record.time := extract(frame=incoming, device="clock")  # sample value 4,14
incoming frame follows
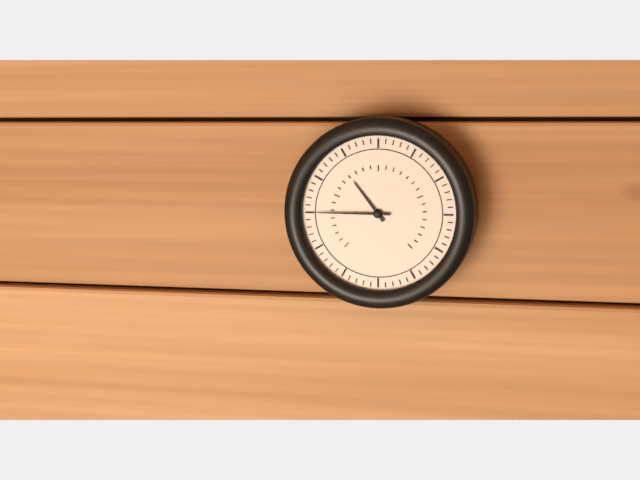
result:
10,45
